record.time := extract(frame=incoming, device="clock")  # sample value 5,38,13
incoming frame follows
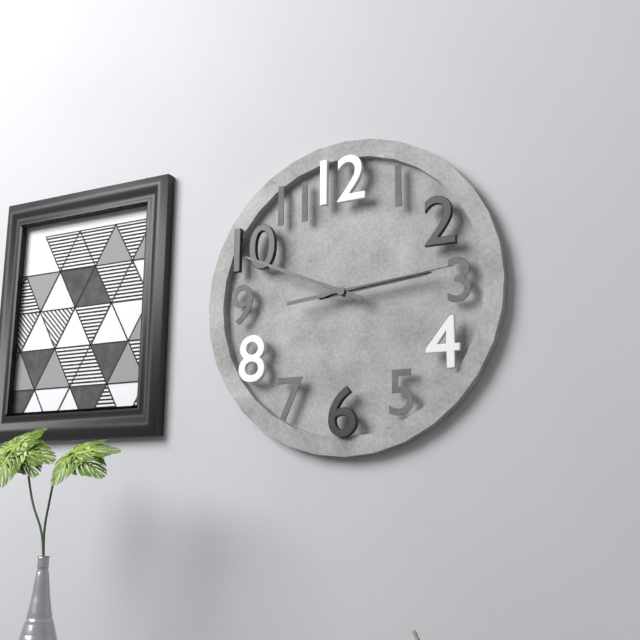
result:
2,49,14
